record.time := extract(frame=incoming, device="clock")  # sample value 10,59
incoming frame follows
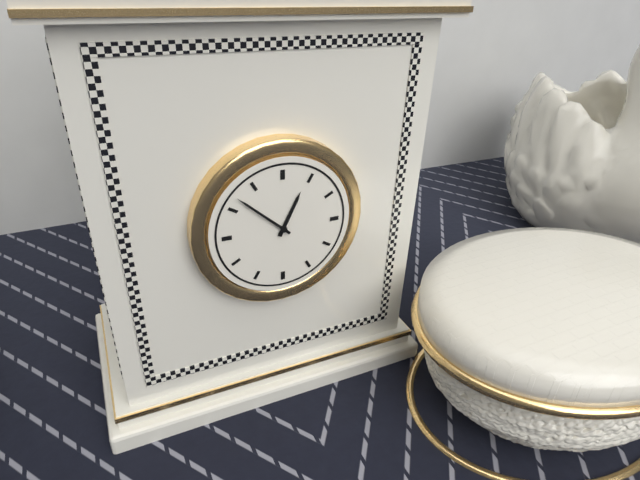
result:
12,52
